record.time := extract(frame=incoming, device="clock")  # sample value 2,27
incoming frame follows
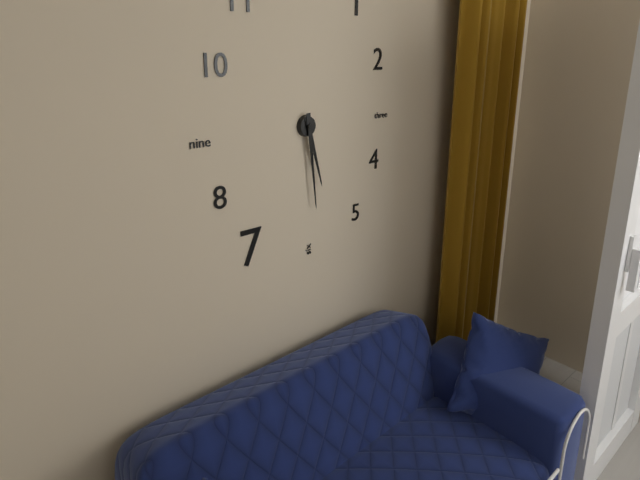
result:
5,29
